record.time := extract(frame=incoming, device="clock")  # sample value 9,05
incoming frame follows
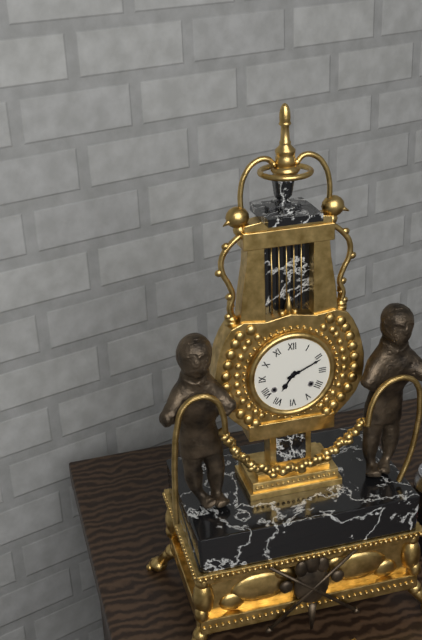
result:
7,11
